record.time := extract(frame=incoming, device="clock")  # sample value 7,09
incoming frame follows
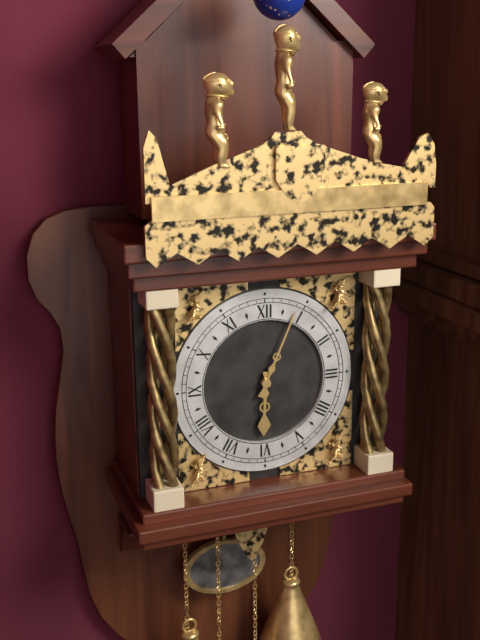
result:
6,04
